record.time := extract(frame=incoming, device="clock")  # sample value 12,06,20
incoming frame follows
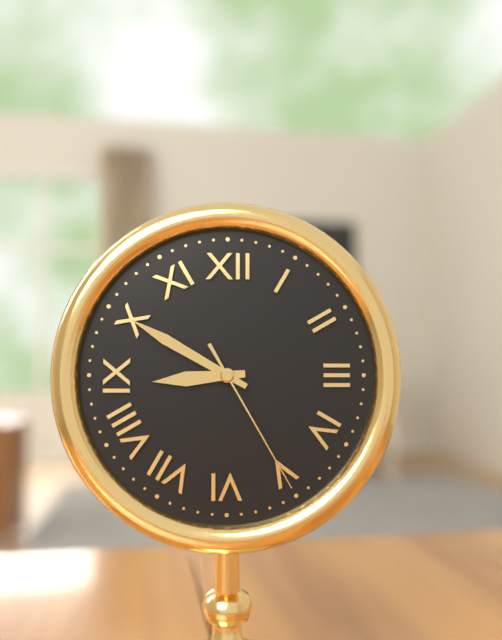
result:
8,50,25
